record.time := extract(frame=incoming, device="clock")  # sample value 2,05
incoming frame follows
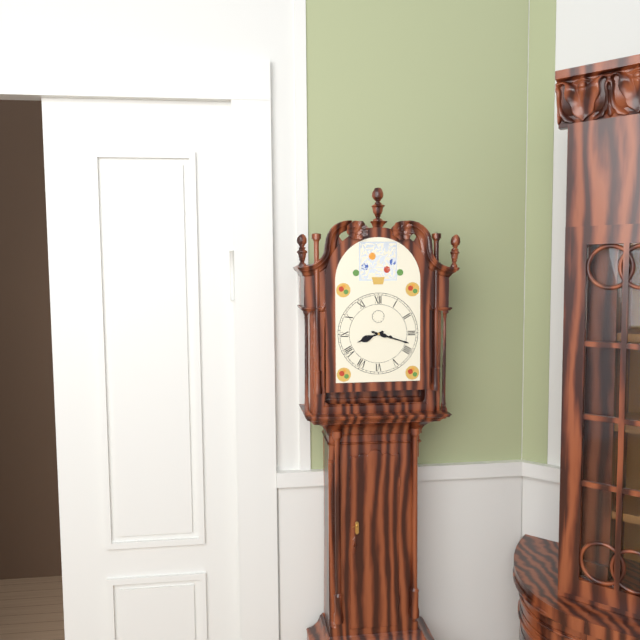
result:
8,18
